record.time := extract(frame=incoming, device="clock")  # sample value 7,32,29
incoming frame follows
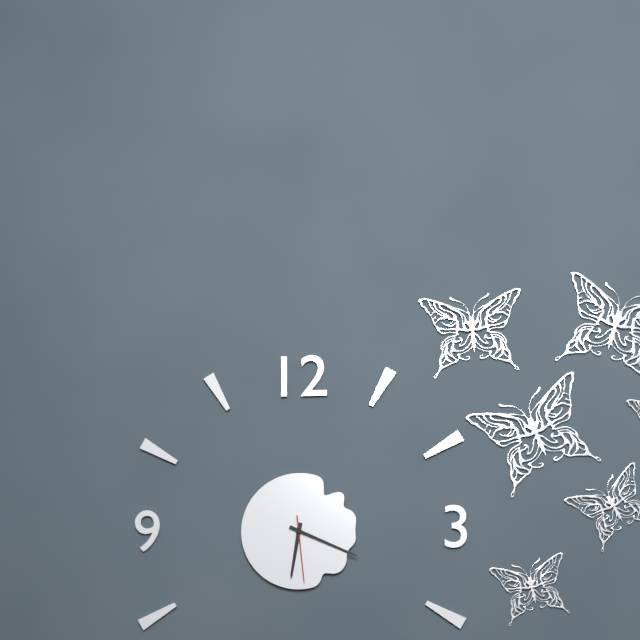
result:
6,19,29
